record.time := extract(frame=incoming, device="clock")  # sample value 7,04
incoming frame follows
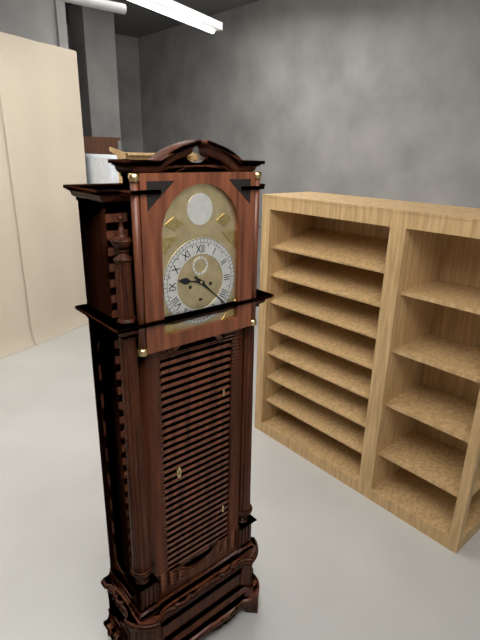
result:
9,22
